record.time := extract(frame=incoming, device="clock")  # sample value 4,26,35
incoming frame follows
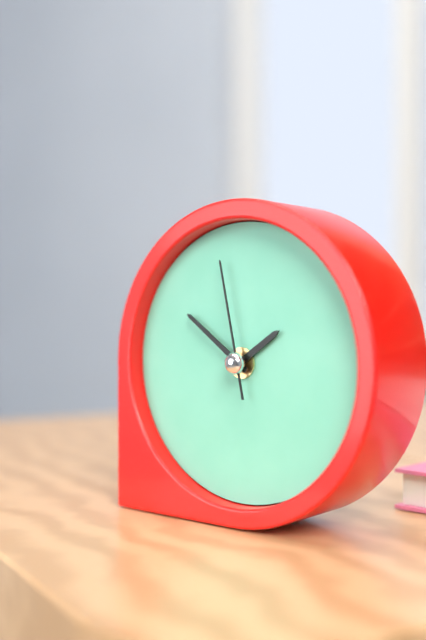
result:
1,51,58
